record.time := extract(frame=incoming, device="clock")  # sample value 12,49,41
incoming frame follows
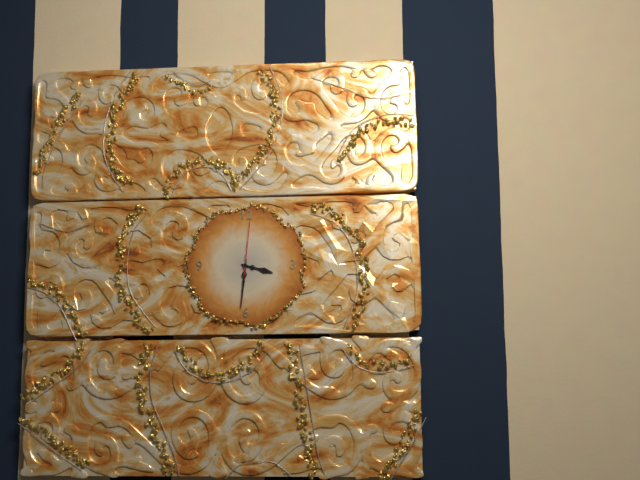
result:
3,31,01
